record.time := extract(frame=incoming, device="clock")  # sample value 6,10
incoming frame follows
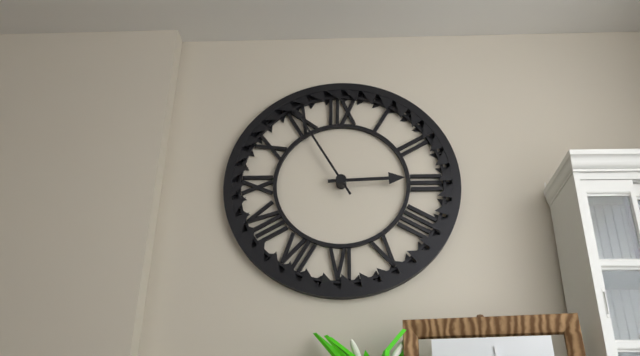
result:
2,55
